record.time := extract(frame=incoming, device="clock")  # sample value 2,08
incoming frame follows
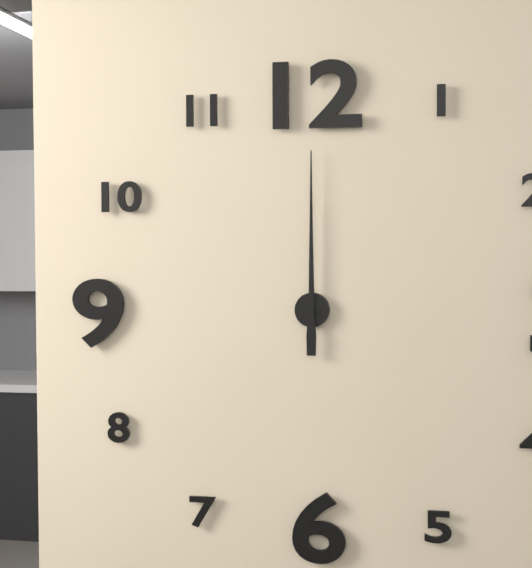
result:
12,00
